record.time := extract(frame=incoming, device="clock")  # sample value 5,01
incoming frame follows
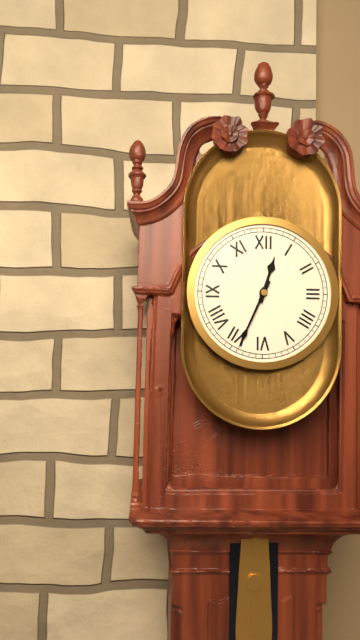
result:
12,34
